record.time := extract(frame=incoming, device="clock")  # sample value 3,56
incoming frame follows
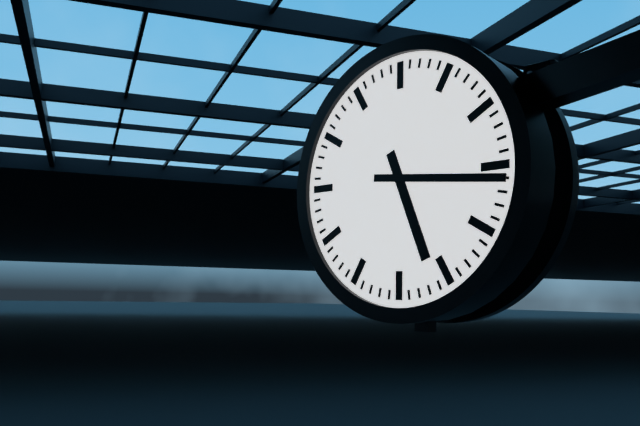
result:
5,16
